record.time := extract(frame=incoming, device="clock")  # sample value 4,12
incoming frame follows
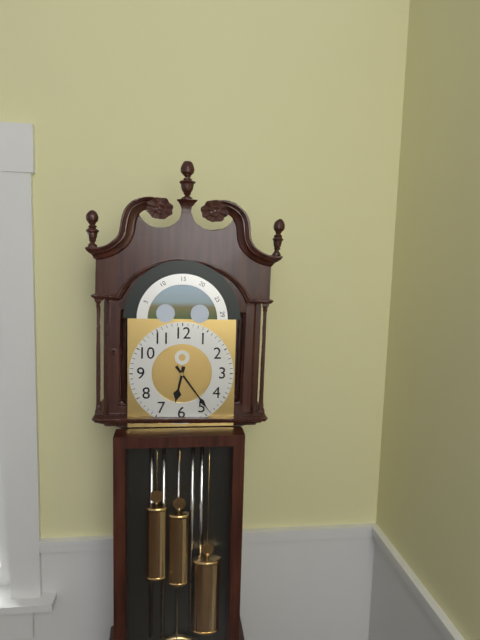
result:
6,24
